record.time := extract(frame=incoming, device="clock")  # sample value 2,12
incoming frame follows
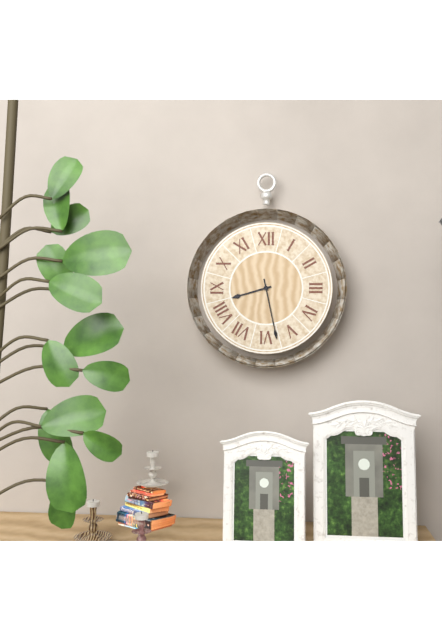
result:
8,28
